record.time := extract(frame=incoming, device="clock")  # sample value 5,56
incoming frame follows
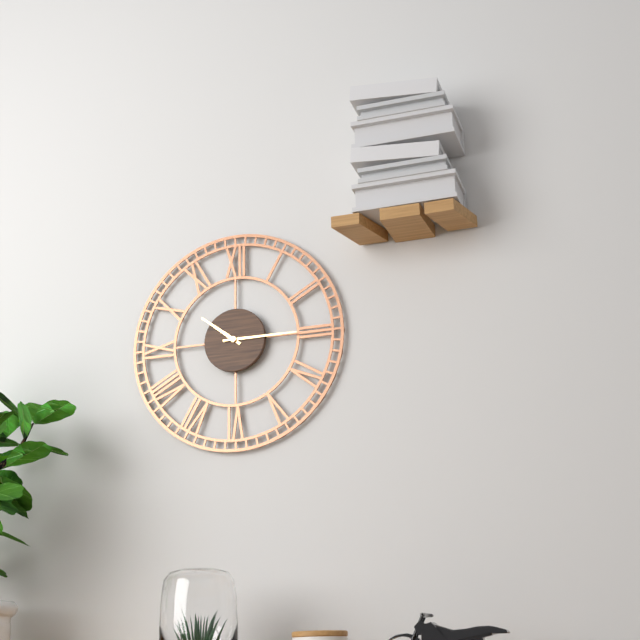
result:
10,15
